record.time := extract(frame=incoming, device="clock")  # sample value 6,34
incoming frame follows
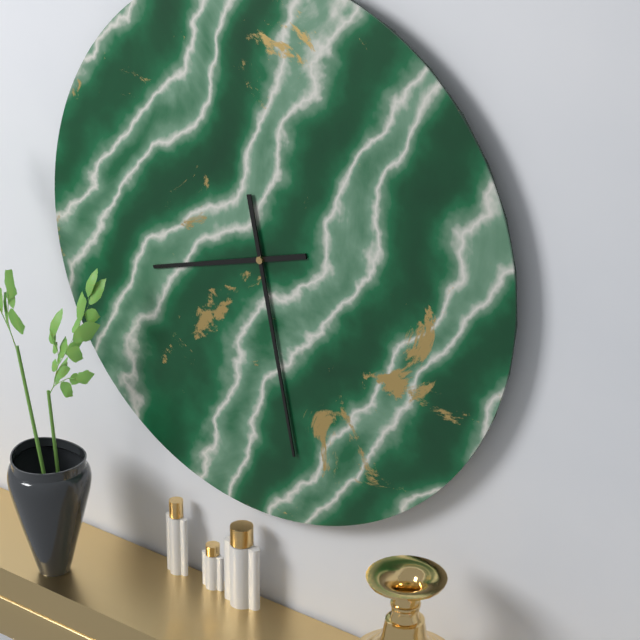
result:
8,28
